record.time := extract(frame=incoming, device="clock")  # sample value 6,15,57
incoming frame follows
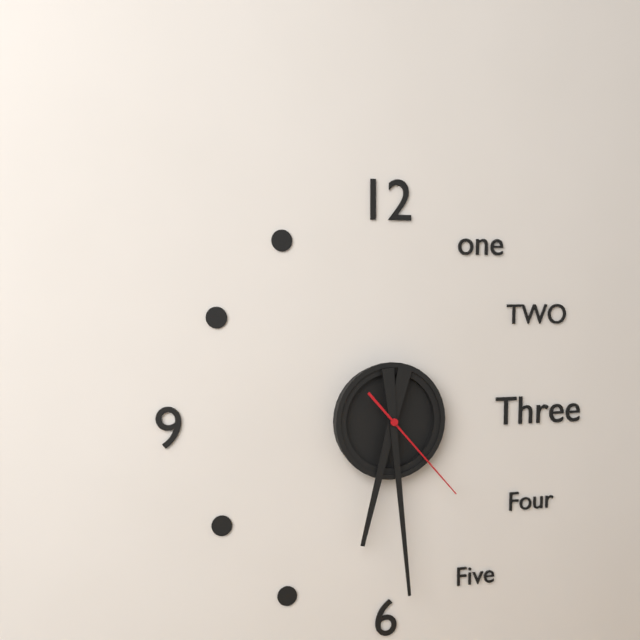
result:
6,29,23
